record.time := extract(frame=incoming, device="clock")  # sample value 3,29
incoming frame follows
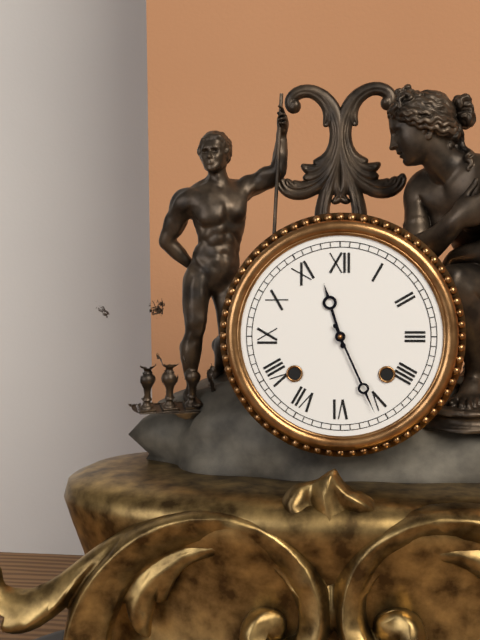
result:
11,26
